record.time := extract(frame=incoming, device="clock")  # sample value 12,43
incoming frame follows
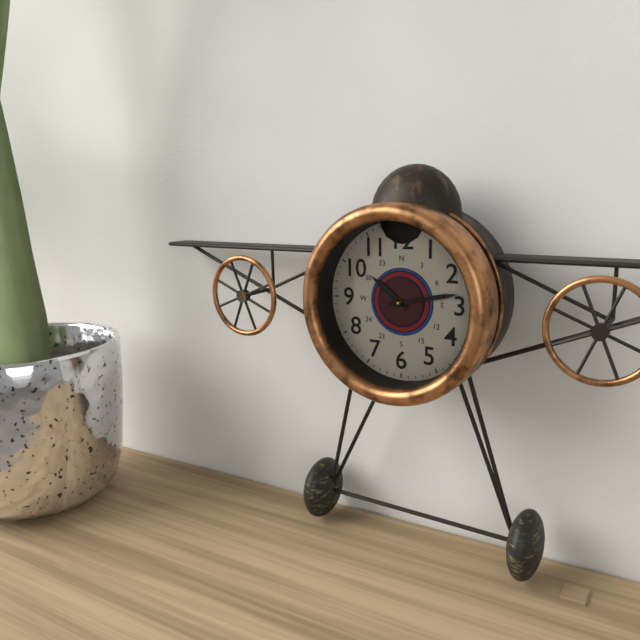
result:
10,13
